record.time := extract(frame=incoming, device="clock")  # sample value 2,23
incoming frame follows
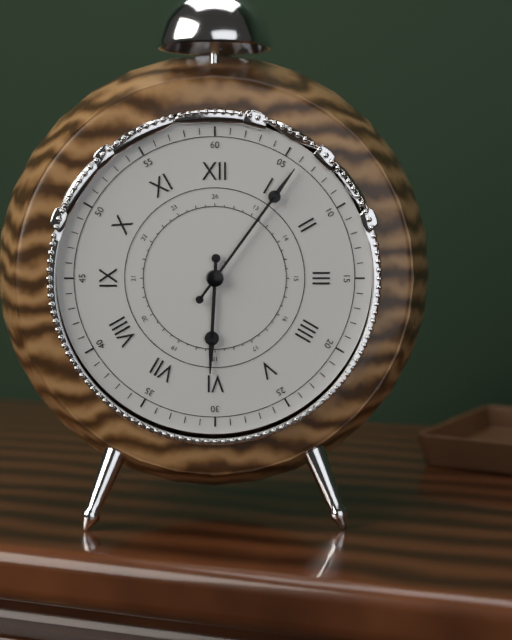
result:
6,06
